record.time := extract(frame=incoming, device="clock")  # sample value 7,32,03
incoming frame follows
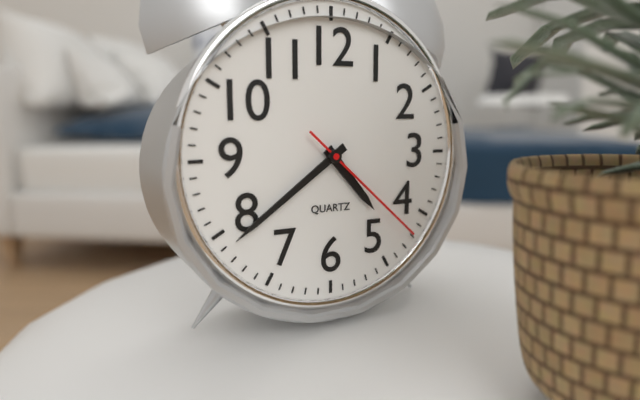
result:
4,39,22
